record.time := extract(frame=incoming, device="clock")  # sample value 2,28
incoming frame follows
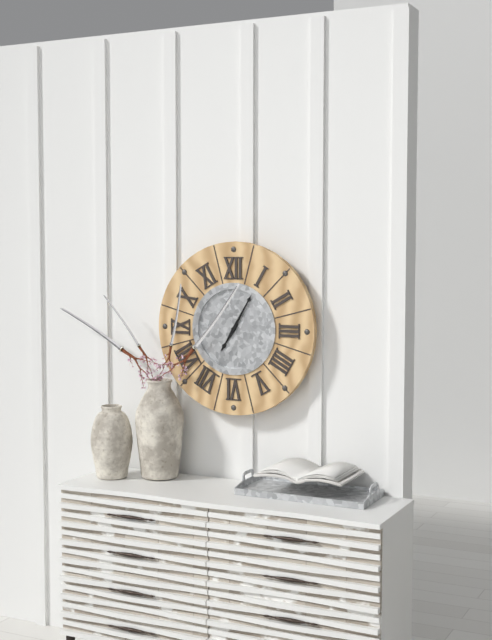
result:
7,05
